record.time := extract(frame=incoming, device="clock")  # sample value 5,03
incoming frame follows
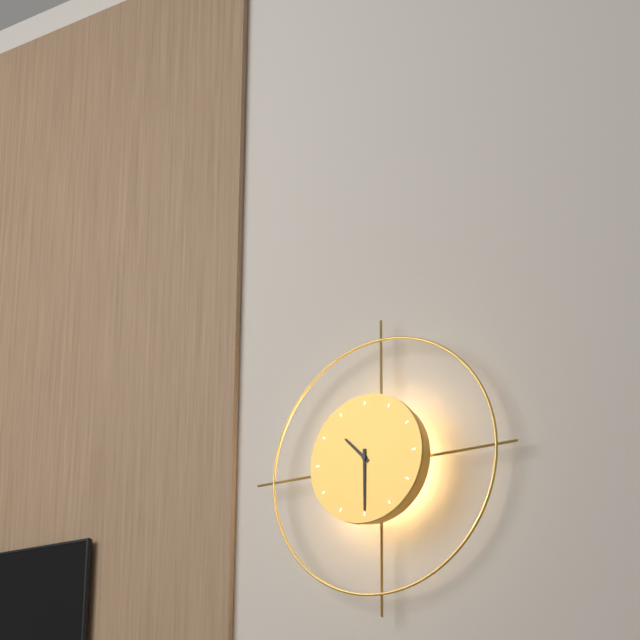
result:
10,30
